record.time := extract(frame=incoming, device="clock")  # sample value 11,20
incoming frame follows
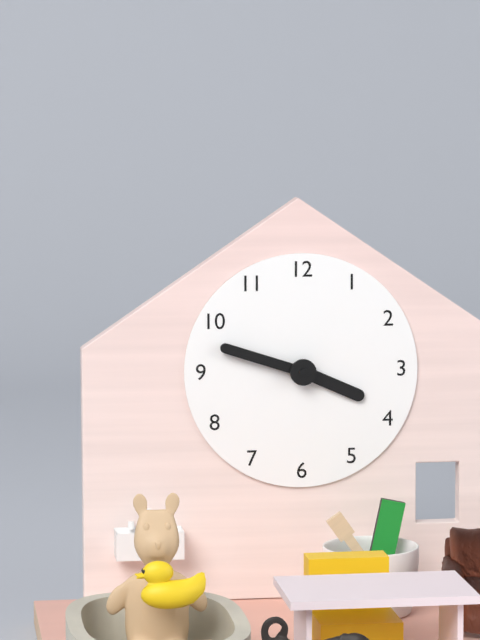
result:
3,48
